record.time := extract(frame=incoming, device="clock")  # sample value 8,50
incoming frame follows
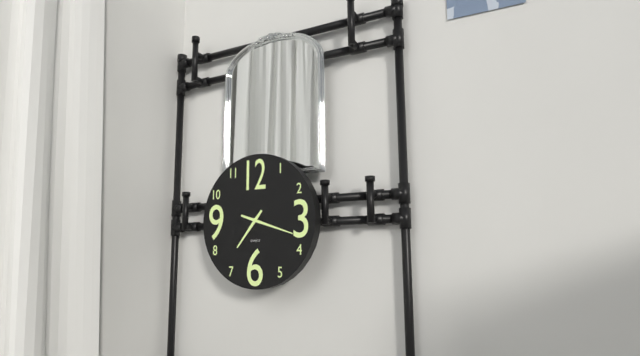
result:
7,18
